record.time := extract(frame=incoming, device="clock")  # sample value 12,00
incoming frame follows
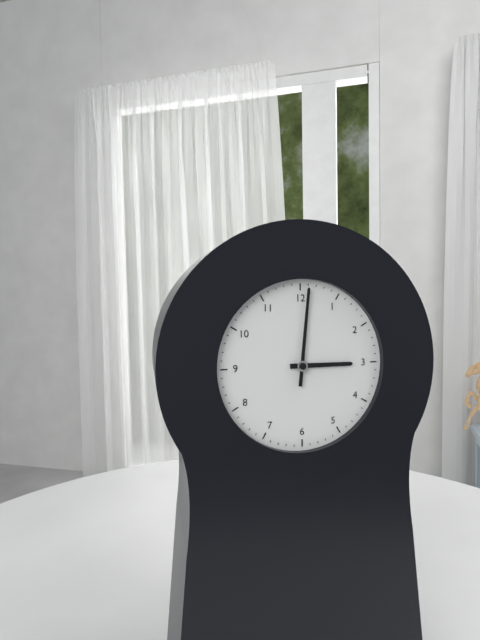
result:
3,01
